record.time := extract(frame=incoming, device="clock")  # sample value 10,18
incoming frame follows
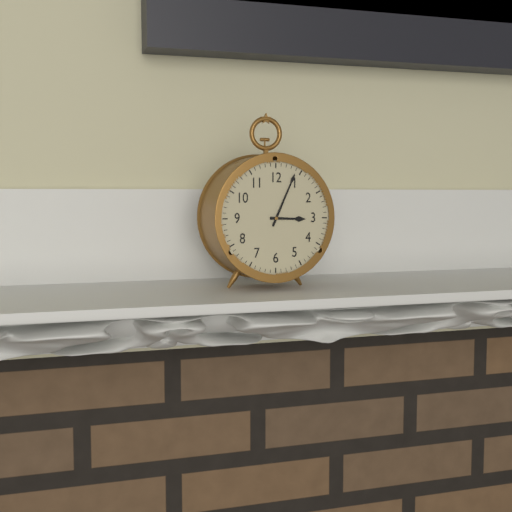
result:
3,04
